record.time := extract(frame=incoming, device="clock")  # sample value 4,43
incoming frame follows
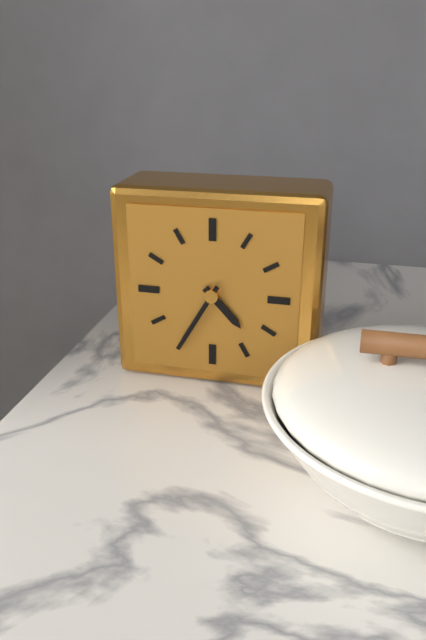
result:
4,35
